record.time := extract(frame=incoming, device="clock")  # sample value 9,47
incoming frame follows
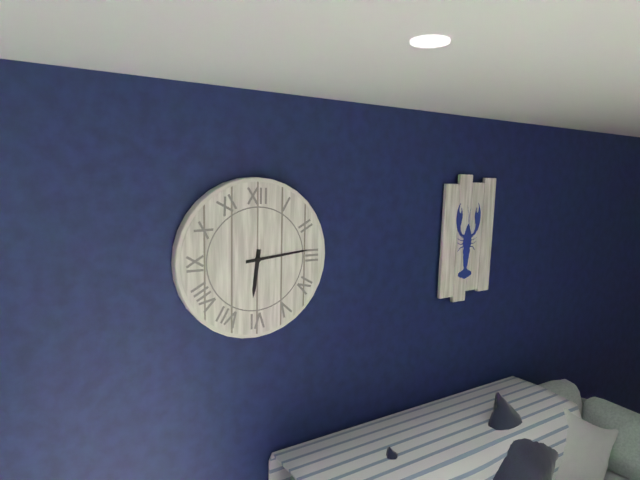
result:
6,14
